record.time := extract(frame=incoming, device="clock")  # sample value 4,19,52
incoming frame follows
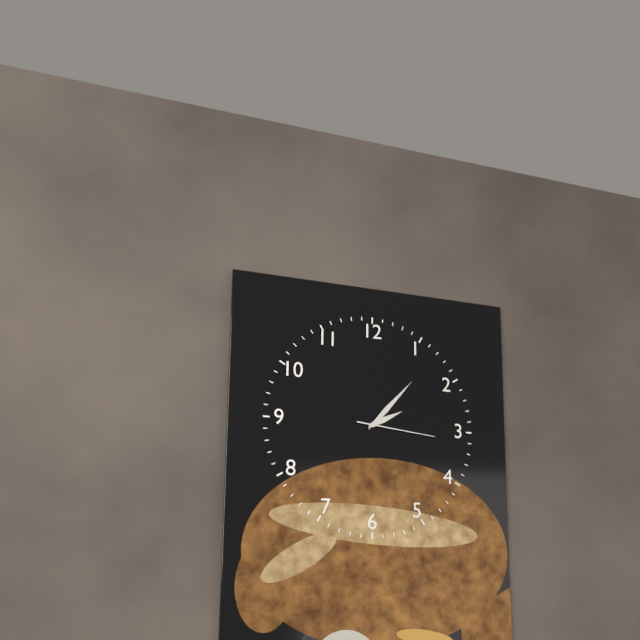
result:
2,07,16
